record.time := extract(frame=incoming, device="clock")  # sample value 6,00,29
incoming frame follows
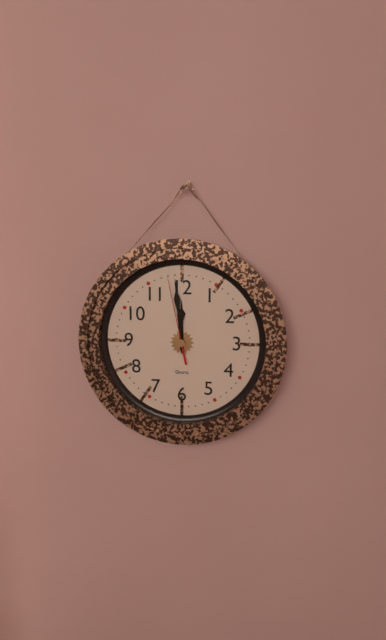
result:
11,59,58
